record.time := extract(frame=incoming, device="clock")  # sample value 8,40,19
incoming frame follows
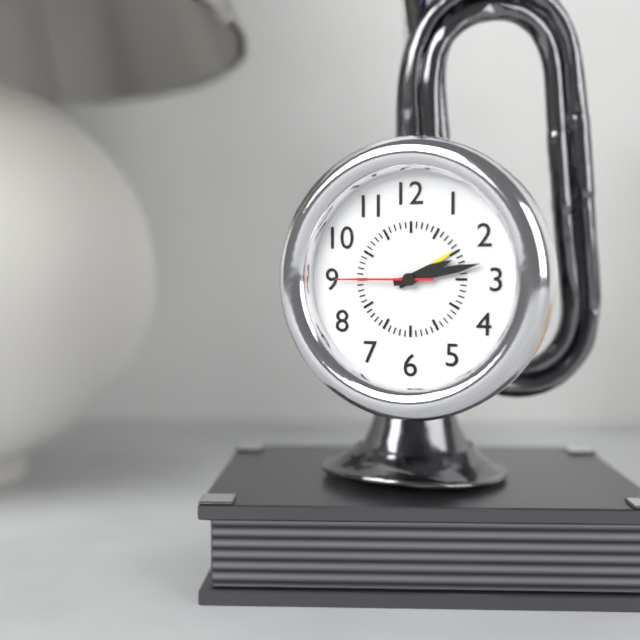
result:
2,13,45
